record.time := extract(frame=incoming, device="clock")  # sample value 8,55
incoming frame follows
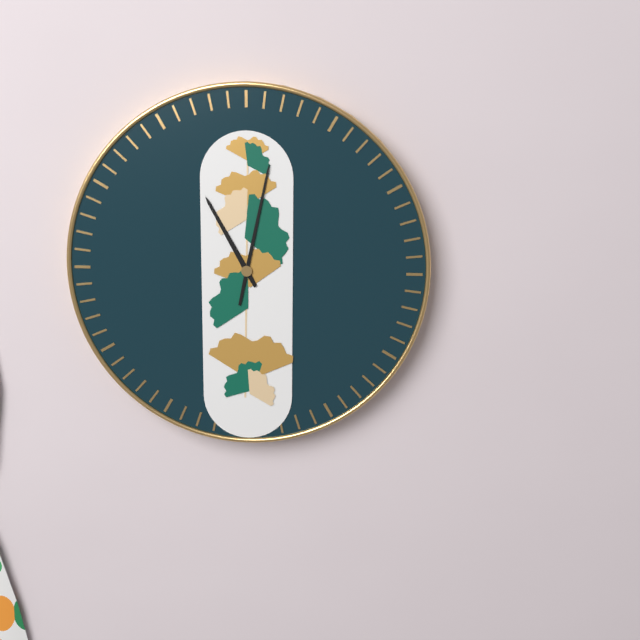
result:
11,02
